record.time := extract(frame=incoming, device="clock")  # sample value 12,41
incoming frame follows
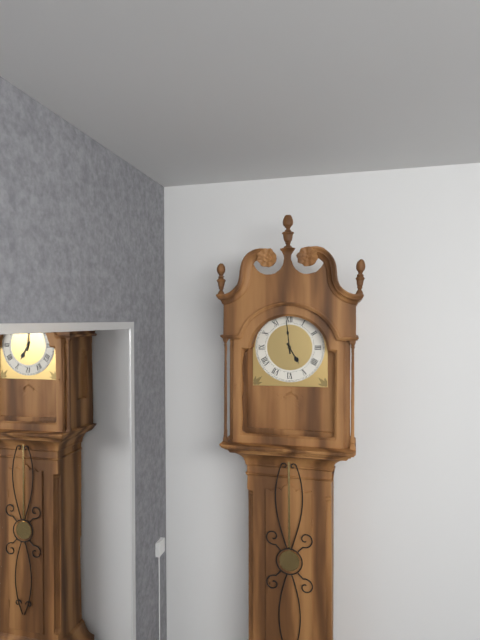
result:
4,59
